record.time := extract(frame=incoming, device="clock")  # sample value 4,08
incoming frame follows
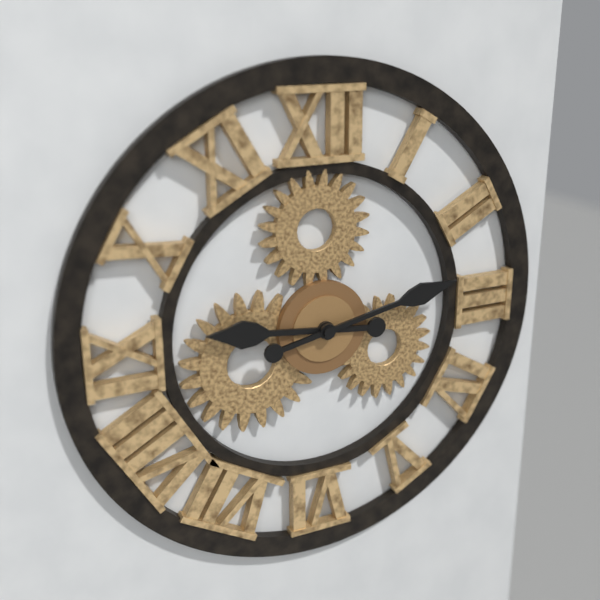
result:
9,13
